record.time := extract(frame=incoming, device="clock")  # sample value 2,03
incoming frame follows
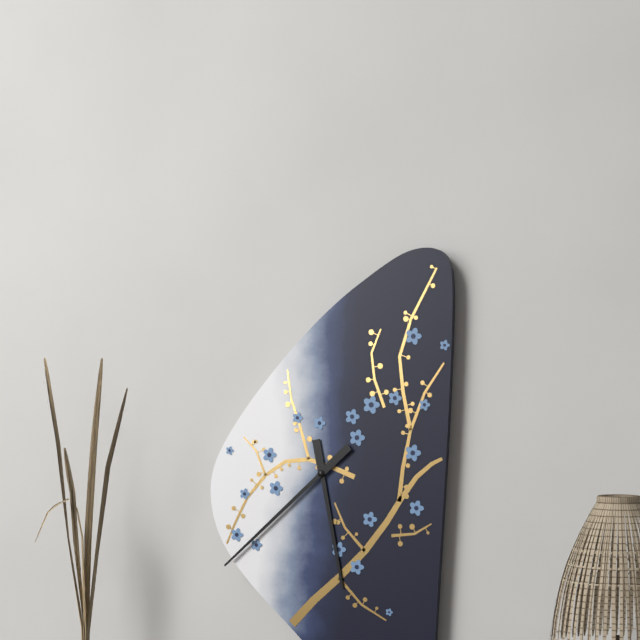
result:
5,38
